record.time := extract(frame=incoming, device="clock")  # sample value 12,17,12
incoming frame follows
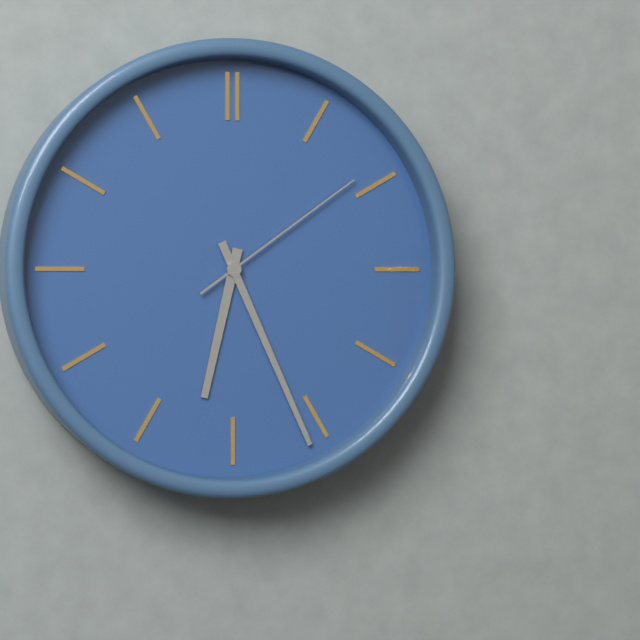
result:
6,26,09
